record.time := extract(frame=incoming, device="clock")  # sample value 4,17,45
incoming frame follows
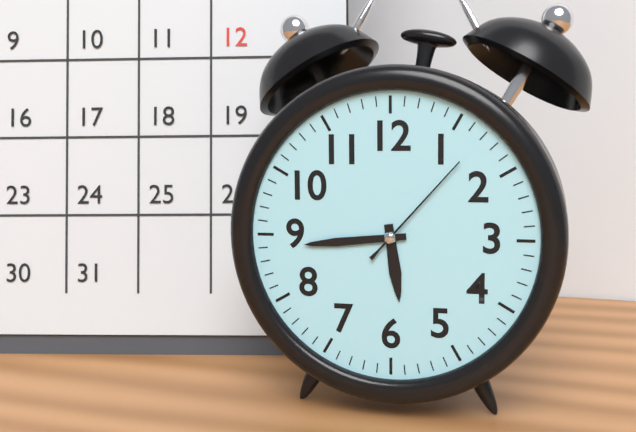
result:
5,44,07
